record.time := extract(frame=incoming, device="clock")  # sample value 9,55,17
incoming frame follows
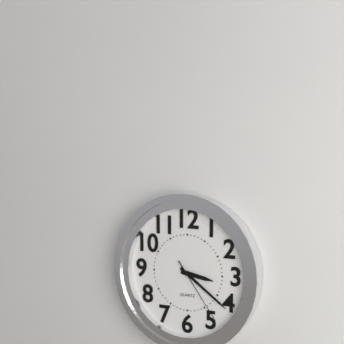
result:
3,21,24
